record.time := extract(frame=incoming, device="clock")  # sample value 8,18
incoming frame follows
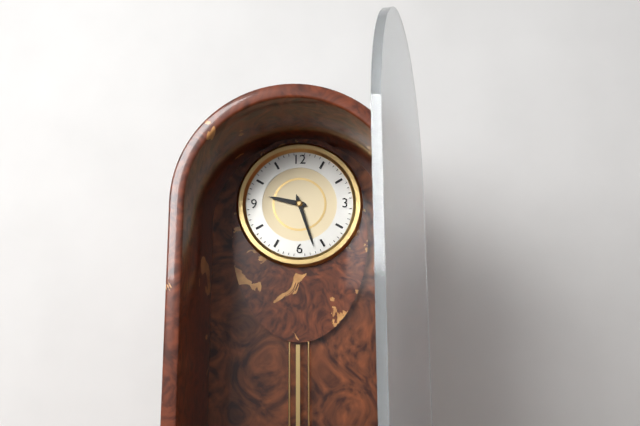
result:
9,27
